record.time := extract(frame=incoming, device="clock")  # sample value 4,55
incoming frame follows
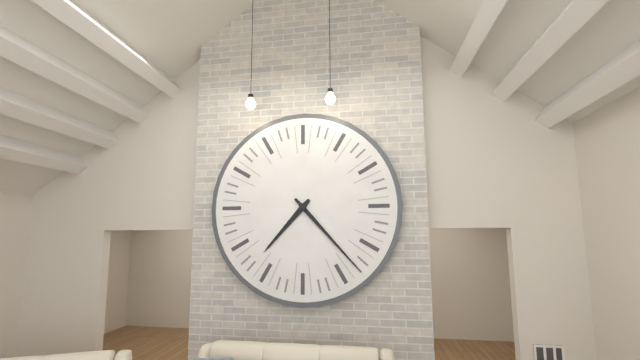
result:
7,23
